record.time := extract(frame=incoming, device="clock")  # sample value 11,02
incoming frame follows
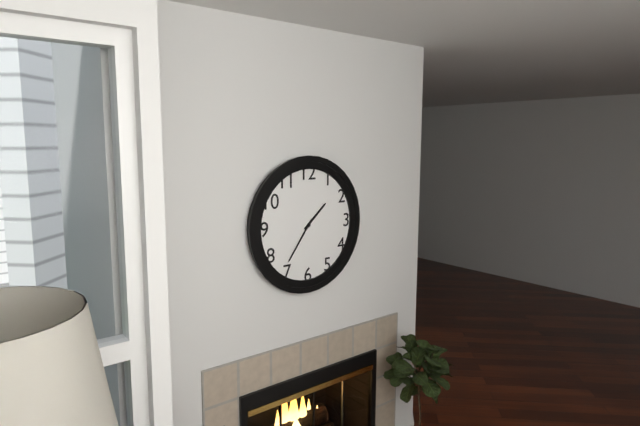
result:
1,36
